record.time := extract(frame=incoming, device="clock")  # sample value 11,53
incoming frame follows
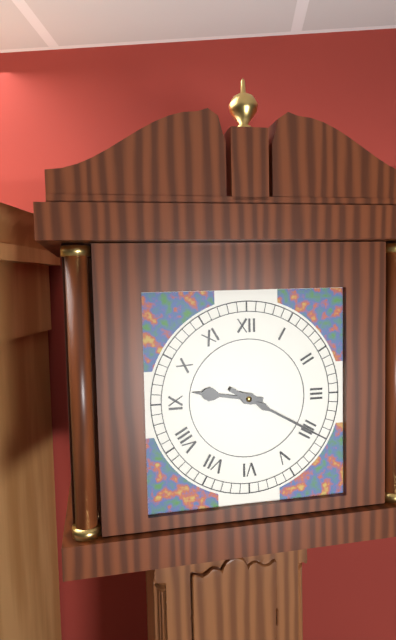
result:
9,20
